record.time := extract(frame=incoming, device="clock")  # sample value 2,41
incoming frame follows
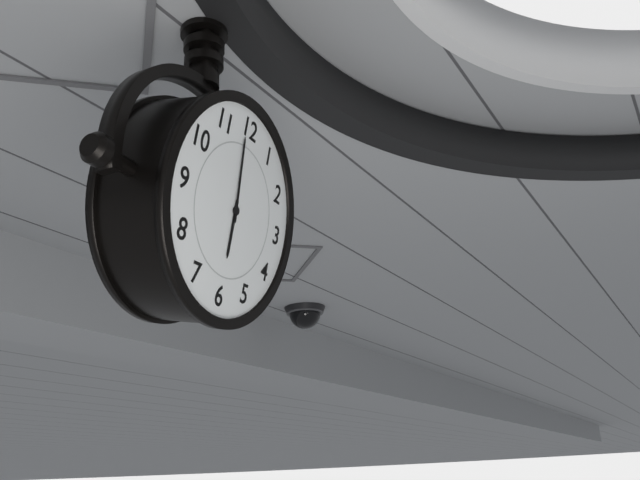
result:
5,59
